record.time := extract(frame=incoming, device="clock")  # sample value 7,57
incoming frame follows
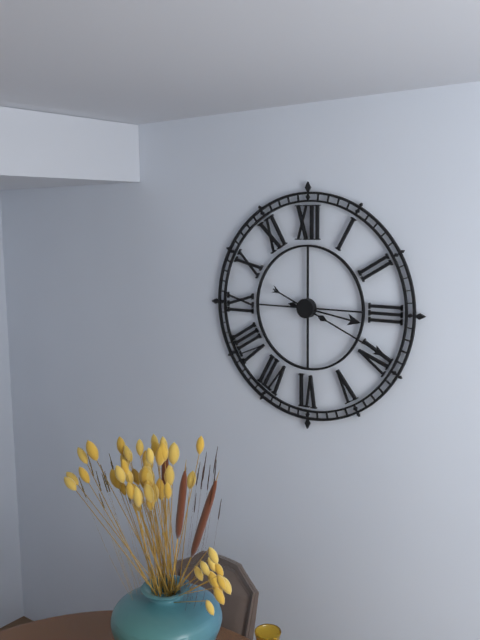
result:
3,19
